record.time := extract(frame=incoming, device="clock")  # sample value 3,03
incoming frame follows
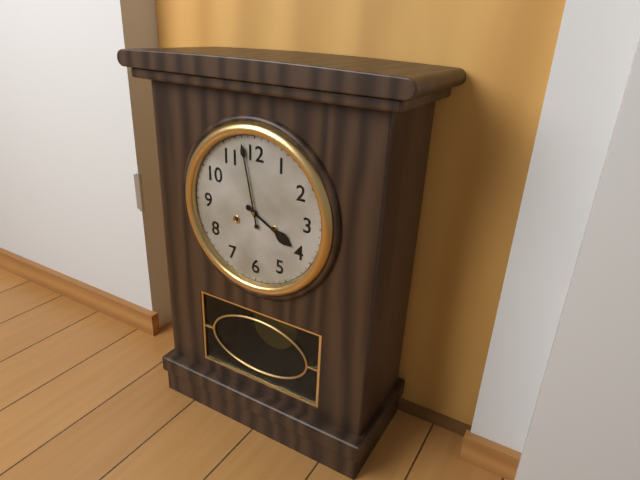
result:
3,58
